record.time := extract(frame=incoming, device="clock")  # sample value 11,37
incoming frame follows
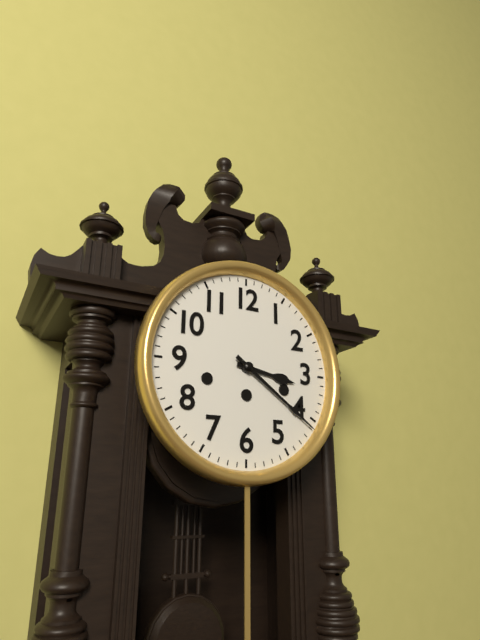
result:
3,21
